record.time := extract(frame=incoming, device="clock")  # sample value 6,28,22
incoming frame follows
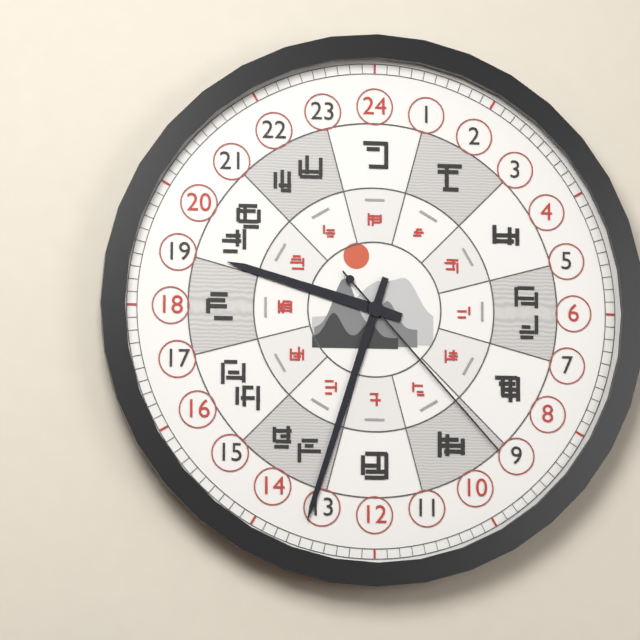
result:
9,33,23
